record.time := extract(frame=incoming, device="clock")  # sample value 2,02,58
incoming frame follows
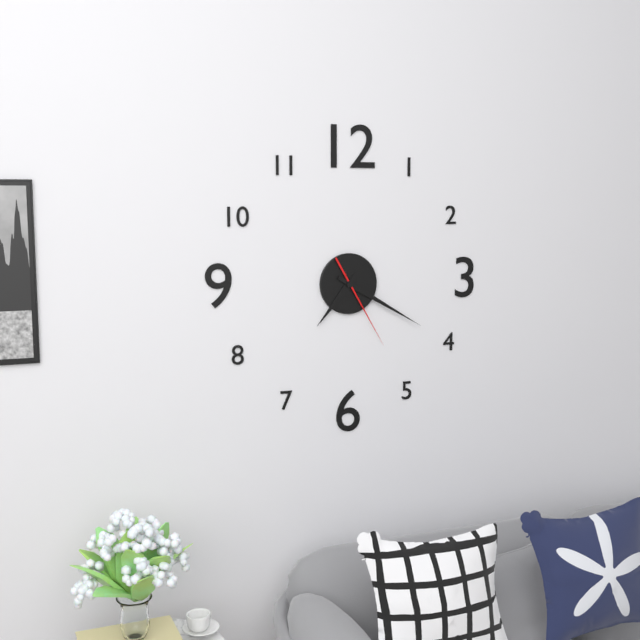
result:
7,20,25
